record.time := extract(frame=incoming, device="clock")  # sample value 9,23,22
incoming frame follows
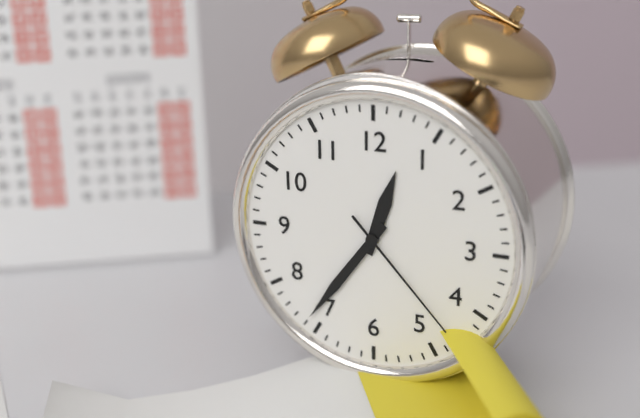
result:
12,36,23
